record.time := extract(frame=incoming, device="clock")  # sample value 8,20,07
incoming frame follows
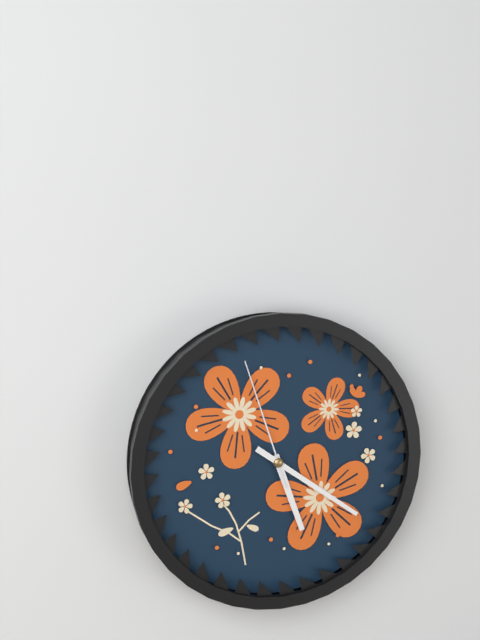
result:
5,21,57
